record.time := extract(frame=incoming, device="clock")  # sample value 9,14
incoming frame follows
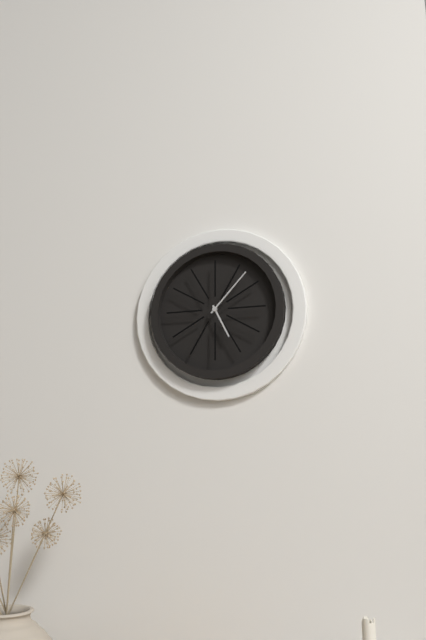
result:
5,07
